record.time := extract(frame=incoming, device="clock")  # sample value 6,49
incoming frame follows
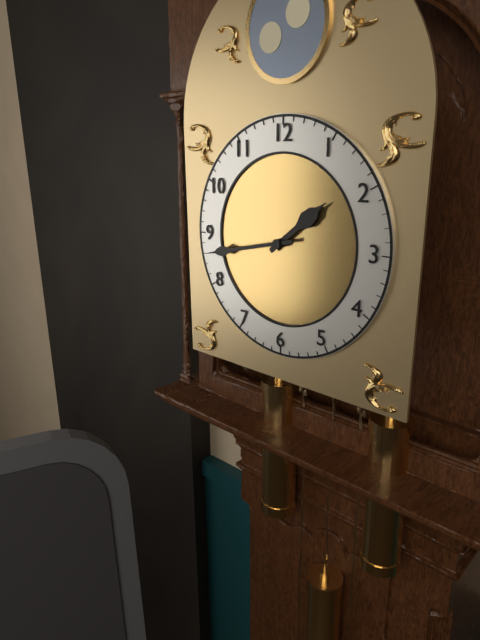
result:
1,43
